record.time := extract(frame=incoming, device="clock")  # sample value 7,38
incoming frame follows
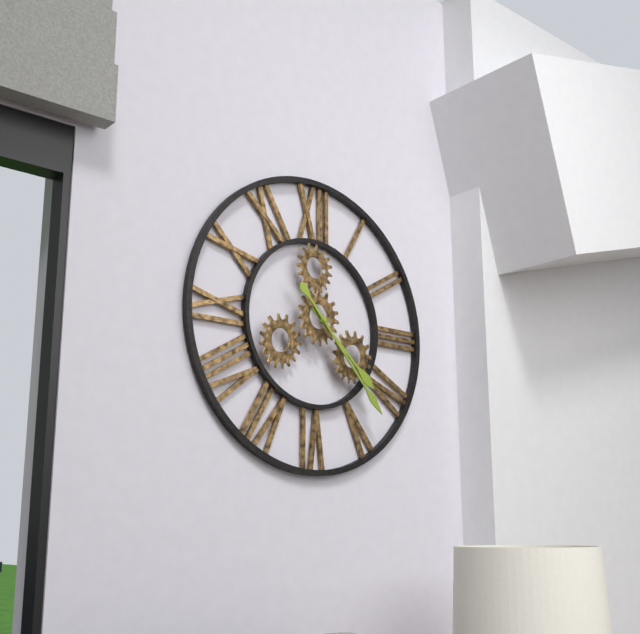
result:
4,23
